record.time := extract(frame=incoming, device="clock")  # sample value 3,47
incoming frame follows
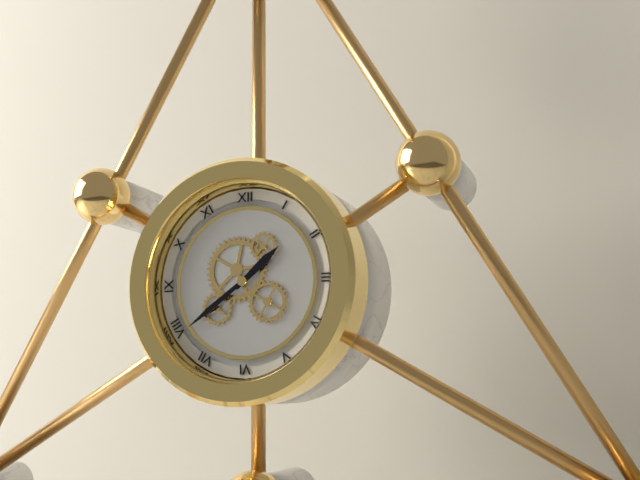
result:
1,39
